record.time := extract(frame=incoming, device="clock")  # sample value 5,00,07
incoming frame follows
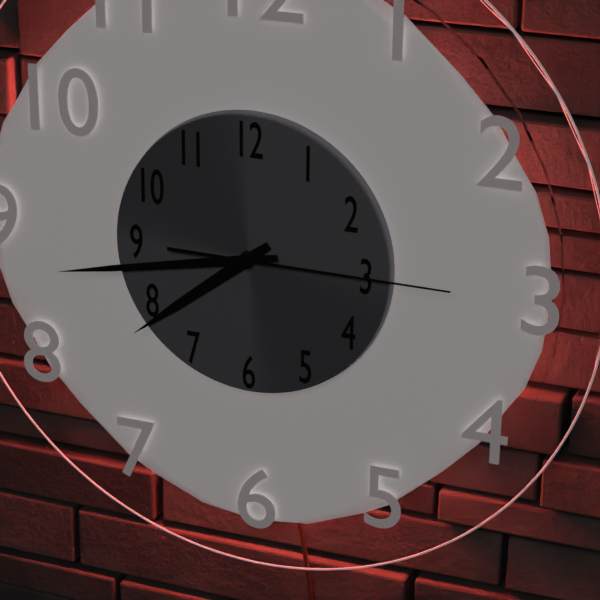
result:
7,43,15
